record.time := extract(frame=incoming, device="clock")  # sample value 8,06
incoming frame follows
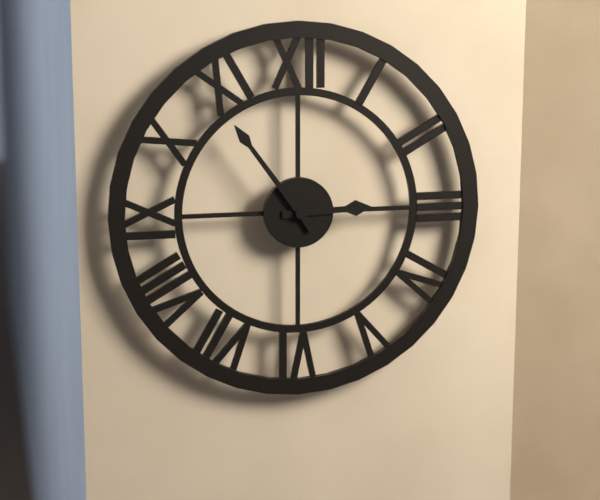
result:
2,54
